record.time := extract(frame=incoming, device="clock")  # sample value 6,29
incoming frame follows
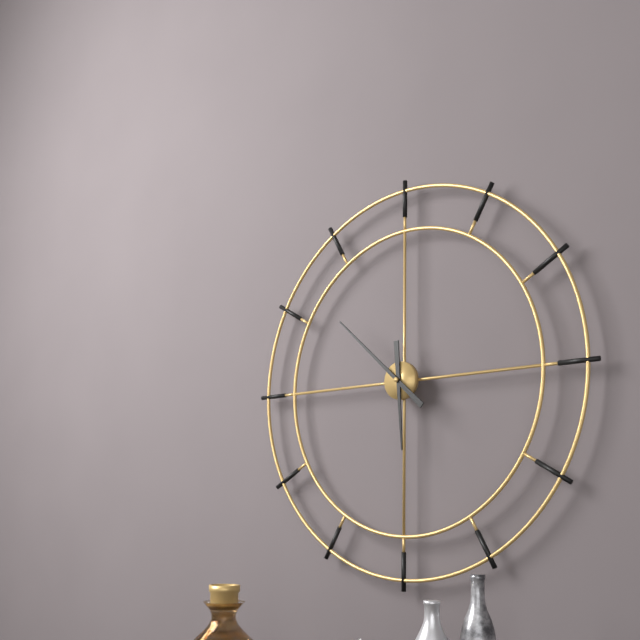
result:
5,52
